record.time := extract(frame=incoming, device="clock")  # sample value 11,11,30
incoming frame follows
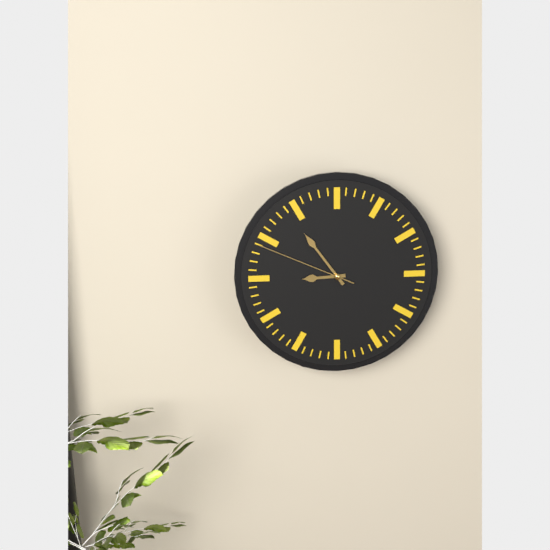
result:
8,54,49
